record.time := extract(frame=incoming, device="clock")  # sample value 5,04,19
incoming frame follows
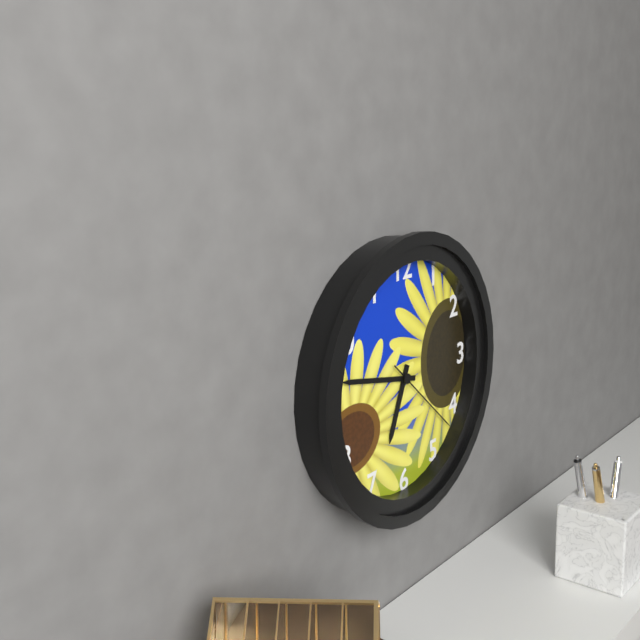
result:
6,47,22
